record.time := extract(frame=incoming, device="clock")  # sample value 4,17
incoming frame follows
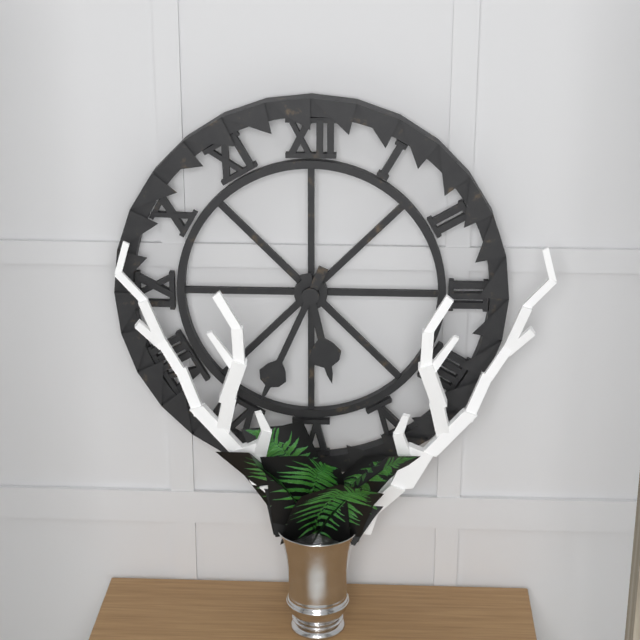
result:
5,34
